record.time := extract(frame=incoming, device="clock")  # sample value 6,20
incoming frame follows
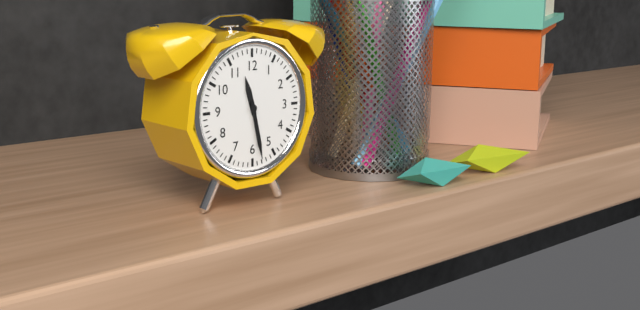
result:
11,28
